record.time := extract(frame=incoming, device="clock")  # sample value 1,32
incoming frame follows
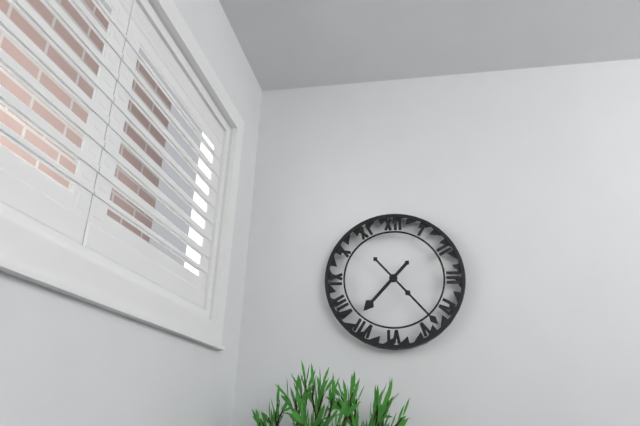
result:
7,23
